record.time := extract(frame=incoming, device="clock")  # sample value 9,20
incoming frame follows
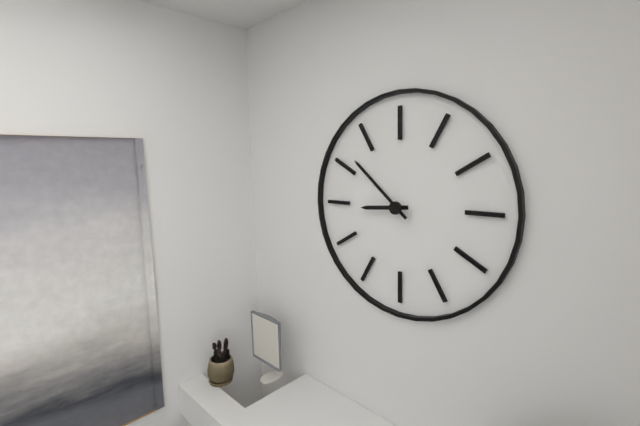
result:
8,52
